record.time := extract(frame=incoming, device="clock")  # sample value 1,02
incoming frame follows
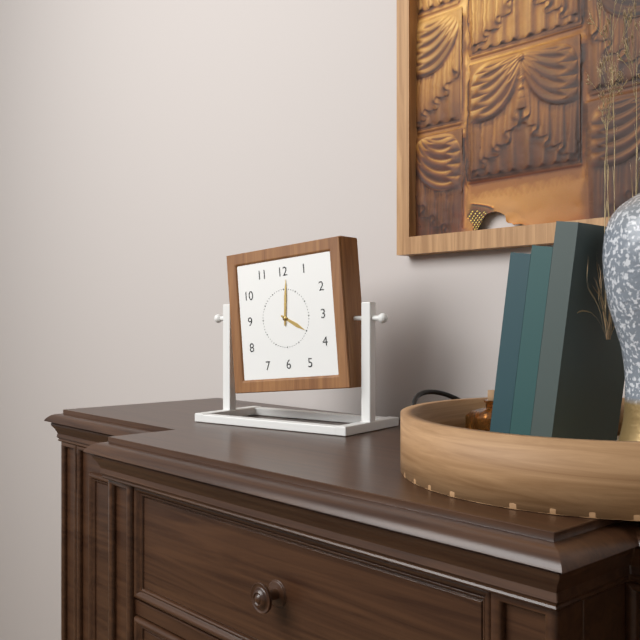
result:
4,01
